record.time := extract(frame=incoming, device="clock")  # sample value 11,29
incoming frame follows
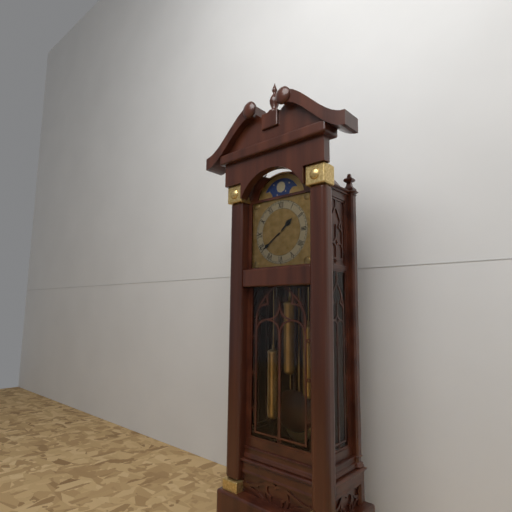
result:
1,39
